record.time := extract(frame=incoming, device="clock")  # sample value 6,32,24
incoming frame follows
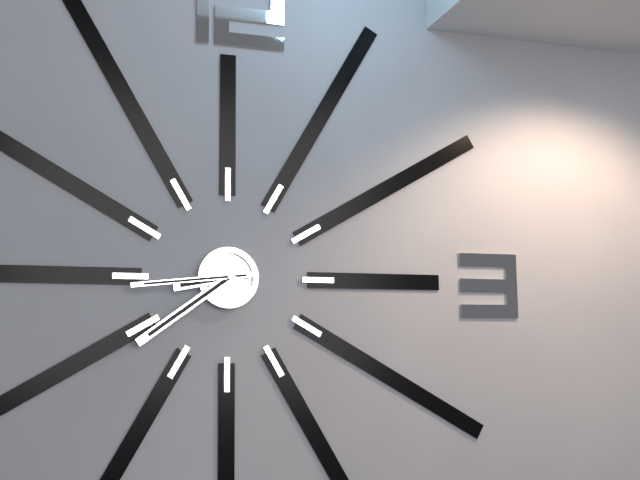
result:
8,39,44
